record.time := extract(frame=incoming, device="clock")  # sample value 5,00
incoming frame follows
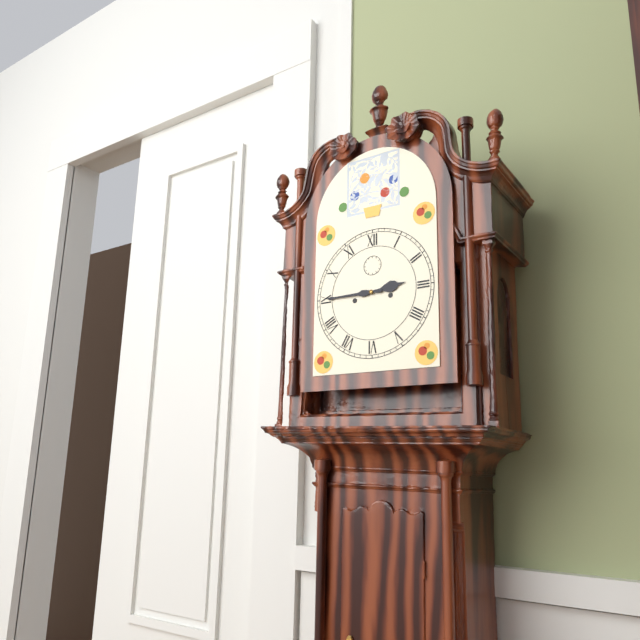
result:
2,45
